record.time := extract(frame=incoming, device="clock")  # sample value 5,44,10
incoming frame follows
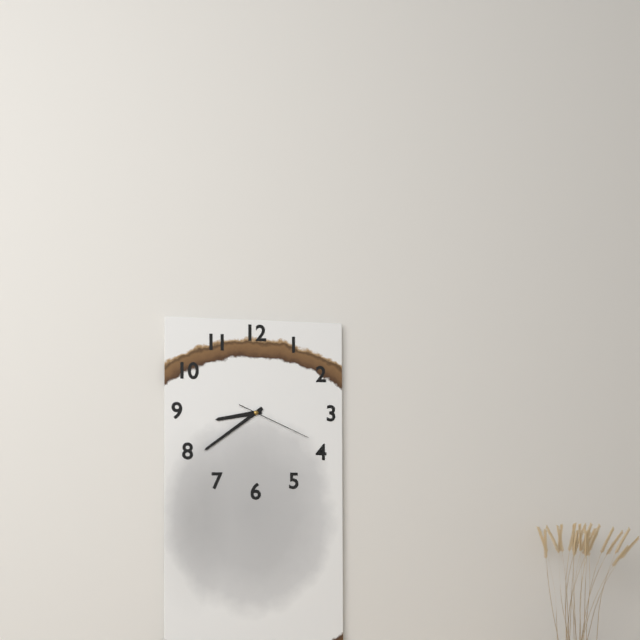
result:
8,39,19
